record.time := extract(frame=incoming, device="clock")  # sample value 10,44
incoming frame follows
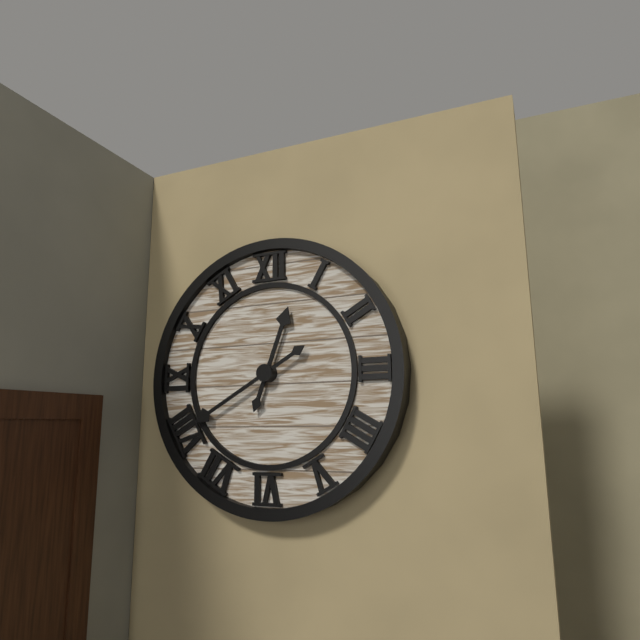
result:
12,40
